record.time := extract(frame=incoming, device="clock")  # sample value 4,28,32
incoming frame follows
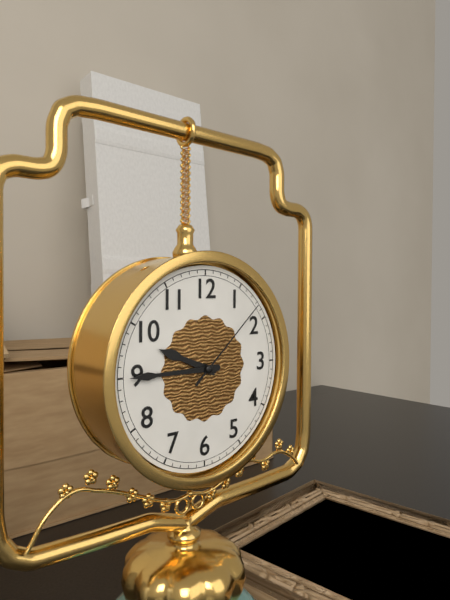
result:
9,45,08
